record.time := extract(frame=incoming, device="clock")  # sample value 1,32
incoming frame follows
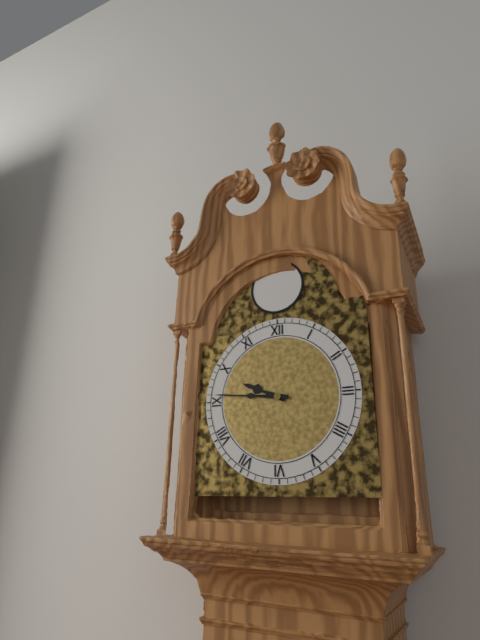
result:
9,46
